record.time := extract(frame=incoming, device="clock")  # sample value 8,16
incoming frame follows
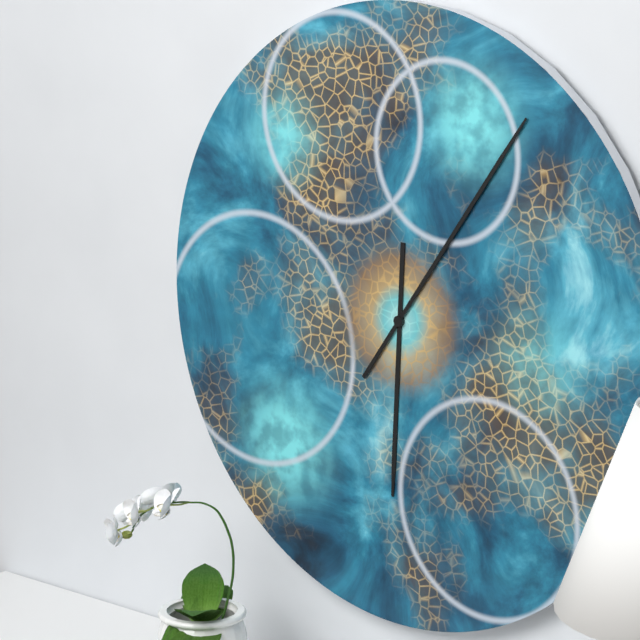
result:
6,06
